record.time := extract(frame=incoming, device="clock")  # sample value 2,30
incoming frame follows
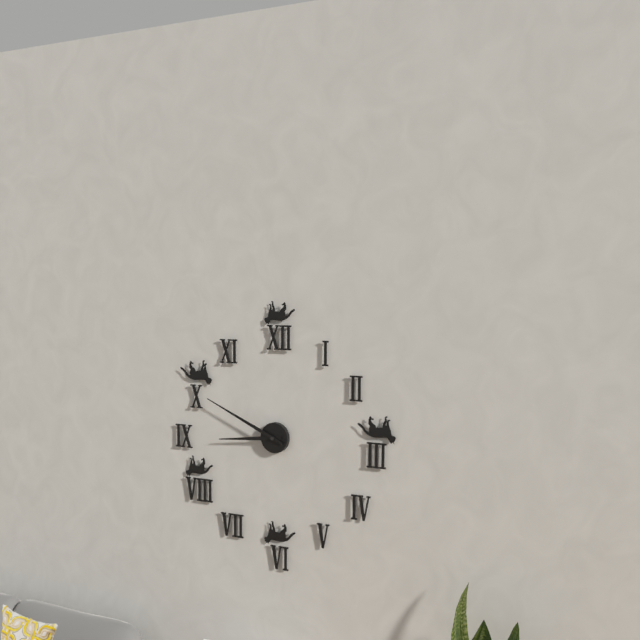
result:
8,49
